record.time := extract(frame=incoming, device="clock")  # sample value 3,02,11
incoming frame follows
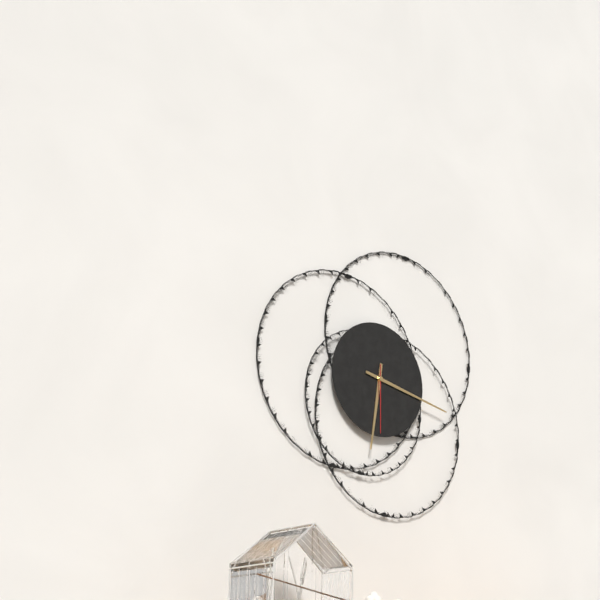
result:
6,17,30
